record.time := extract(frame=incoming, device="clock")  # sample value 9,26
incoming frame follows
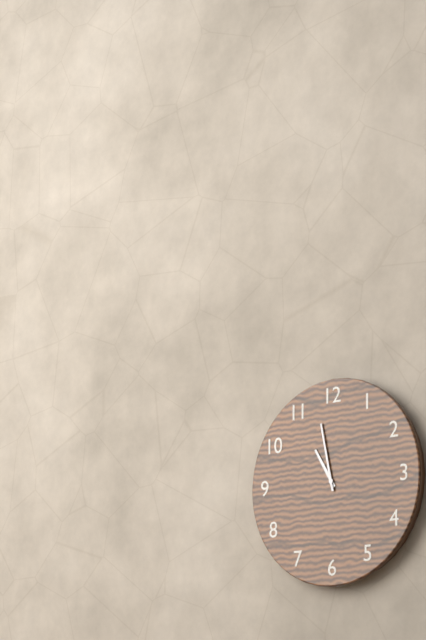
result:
10,58
